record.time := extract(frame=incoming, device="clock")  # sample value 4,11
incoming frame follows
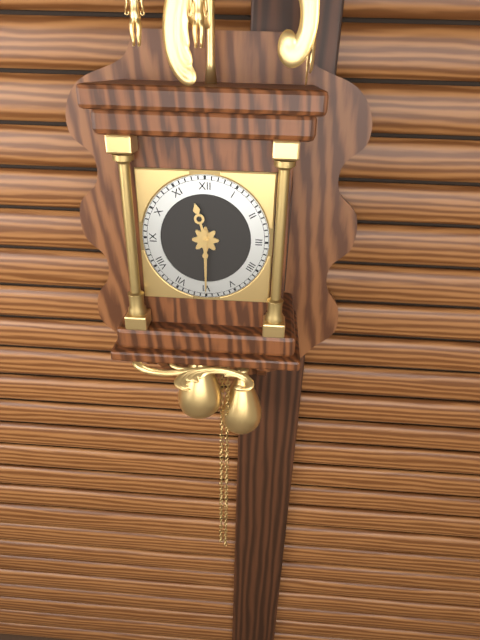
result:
11,30
